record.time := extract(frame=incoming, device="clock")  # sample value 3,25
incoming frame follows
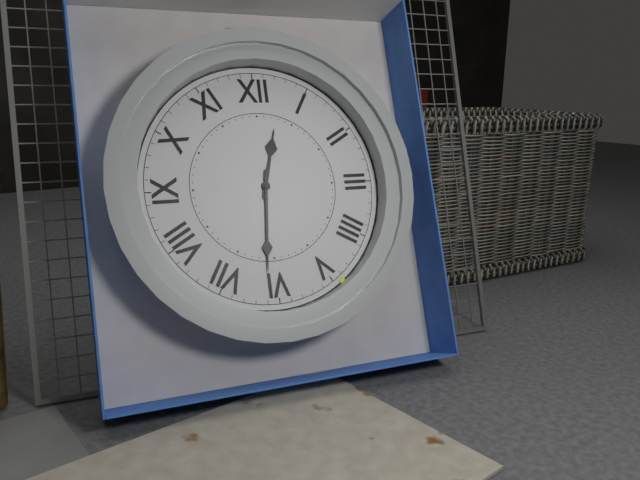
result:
12,31
